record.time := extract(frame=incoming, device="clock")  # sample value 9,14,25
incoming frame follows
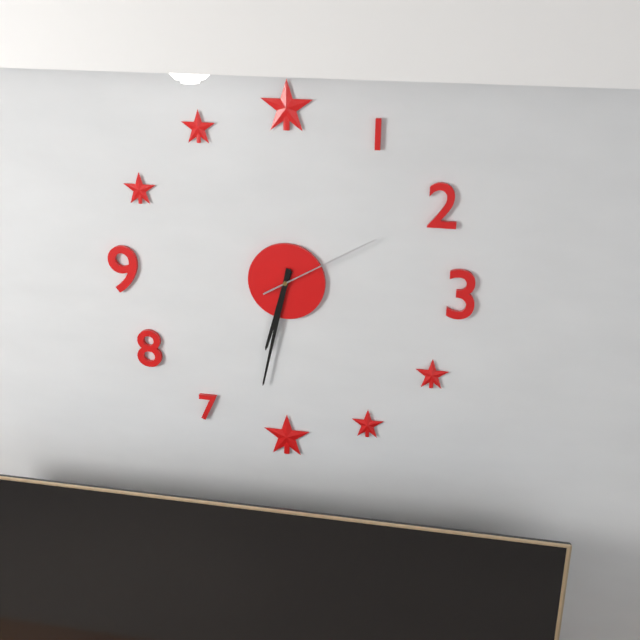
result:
6,32,10
